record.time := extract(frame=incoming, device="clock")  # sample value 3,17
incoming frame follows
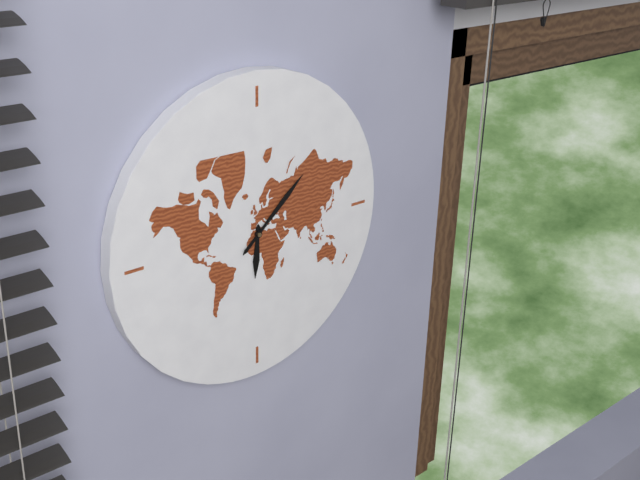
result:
6,08
